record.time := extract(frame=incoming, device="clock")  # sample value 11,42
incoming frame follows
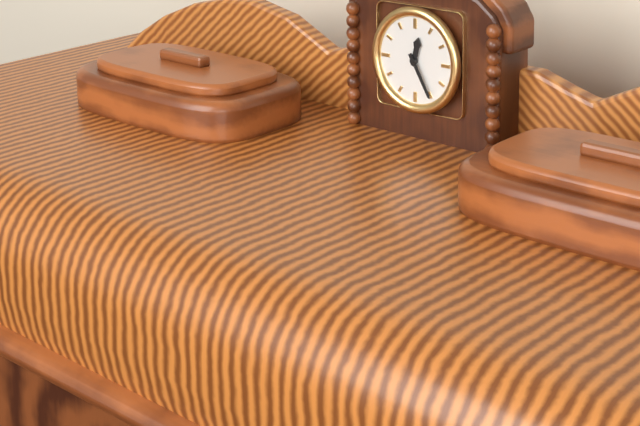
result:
12,25
